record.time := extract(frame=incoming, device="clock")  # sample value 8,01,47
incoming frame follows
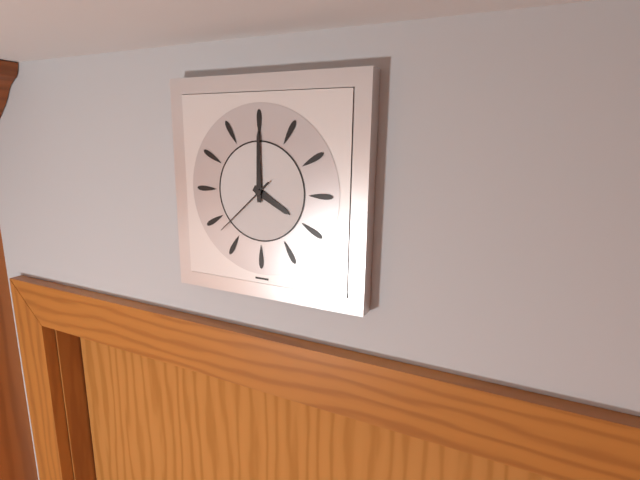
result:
4,00,38
